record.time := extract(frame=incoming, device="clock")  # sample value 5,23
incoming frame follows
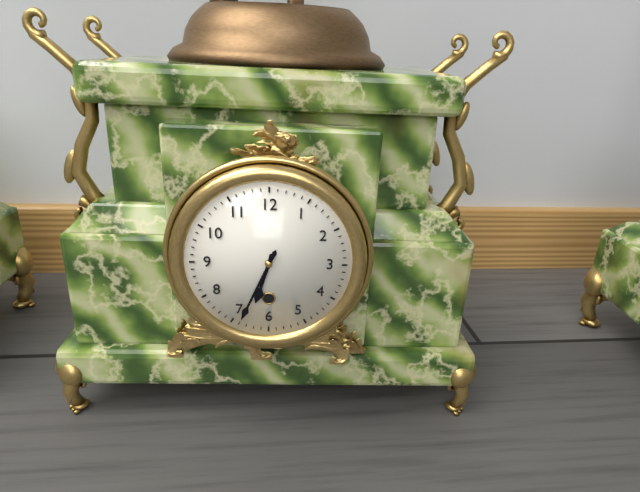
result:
6,34
